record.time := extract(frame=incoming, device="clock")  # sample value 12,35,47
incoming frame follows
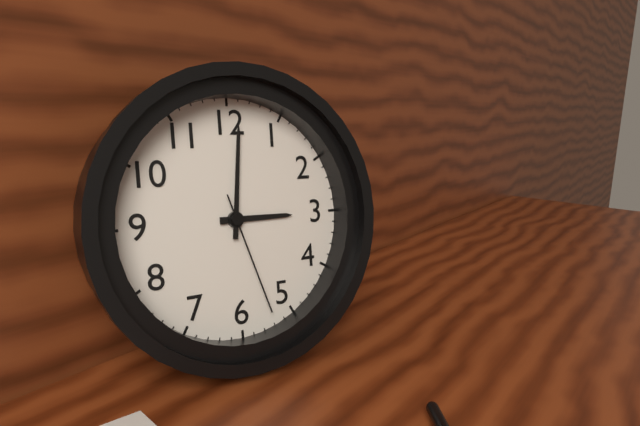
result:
3,01,27
